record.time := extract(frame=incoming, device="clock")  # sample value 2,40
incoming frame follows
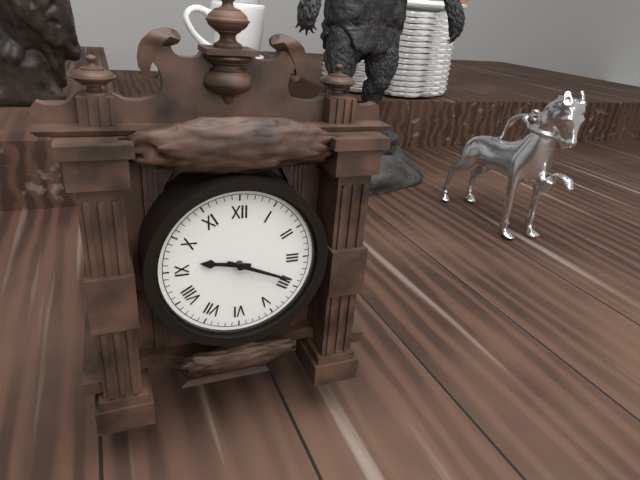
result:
9,19
